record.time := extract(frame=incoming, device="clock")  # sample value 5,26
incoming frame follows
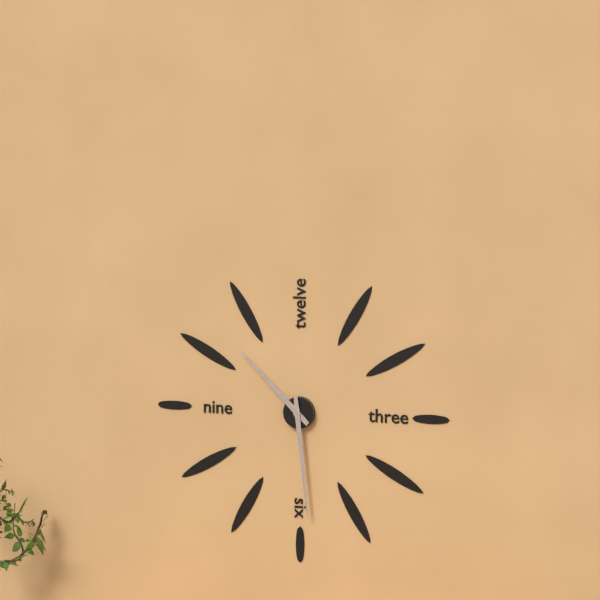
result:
10,29
